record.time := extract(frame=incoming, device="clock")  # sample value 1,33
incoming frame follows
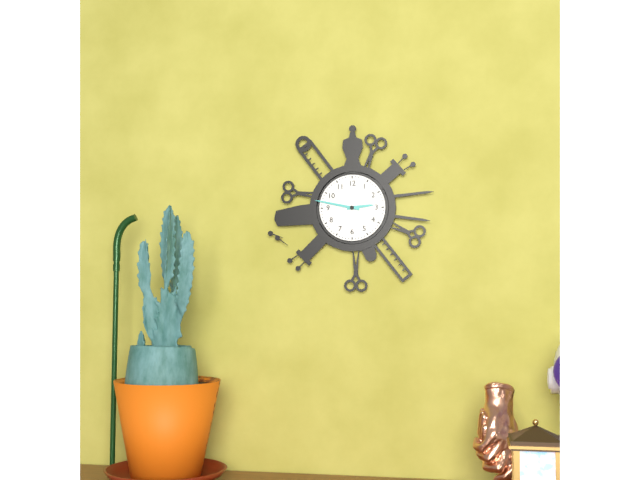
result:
2,47
